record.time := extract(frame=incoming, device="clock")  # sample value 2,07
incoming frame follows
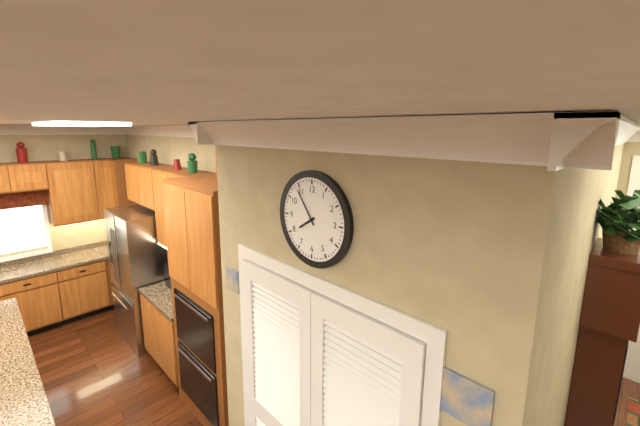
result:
7,54
